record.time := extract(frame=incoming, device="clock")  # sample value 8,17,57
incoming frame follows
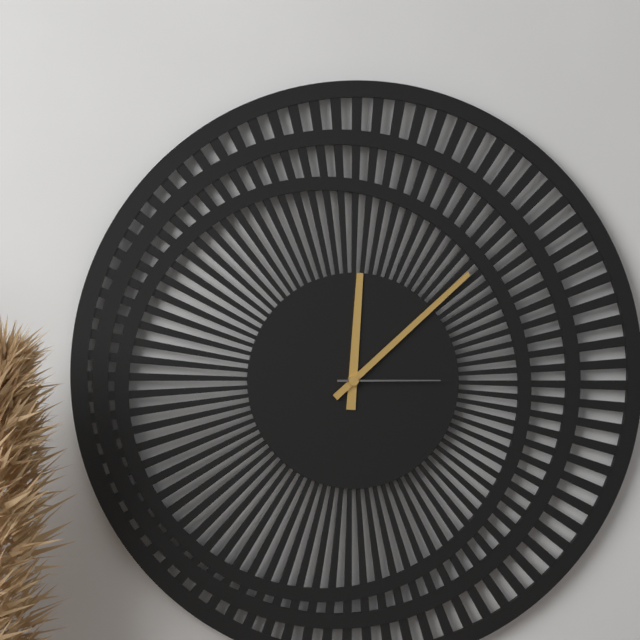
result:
12,08,15
